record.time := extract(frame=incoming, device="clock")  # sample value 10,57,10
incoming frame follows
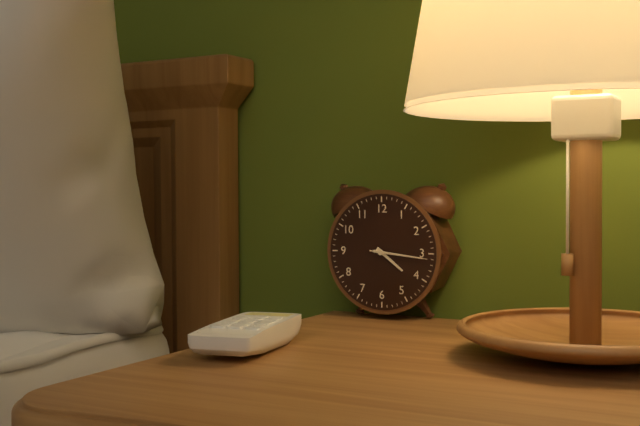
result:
4,16,16
